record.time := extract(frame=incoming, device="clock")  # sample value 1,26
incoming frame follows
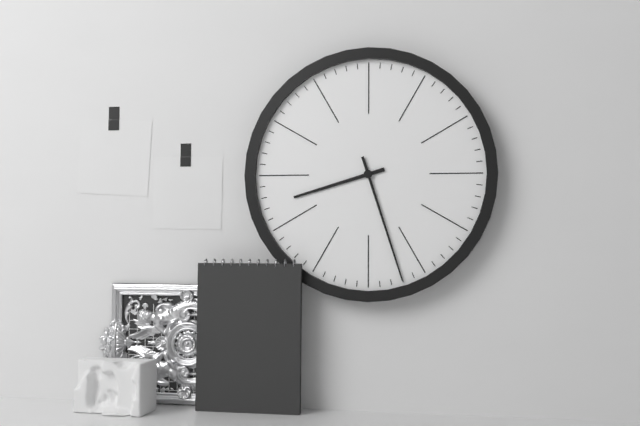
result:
8,27
